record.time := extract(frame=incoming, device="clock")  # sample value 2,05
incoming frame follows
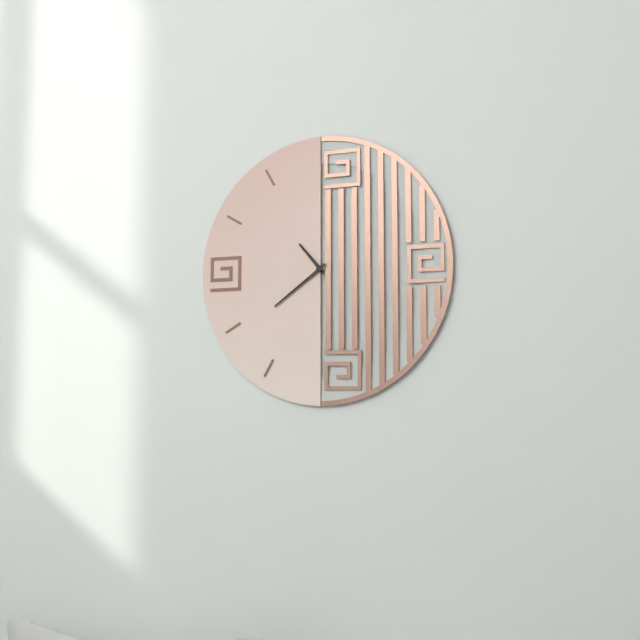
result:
10,39
